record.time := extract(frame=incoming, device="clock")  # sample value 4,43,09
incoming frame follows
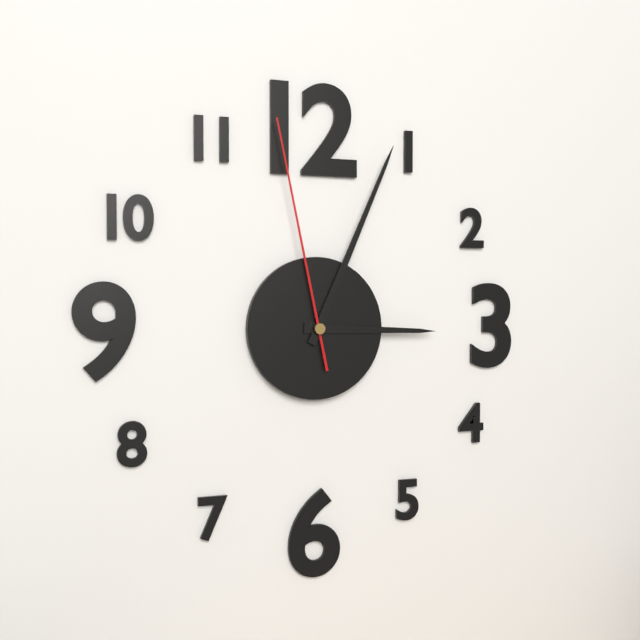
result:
3,04,58
